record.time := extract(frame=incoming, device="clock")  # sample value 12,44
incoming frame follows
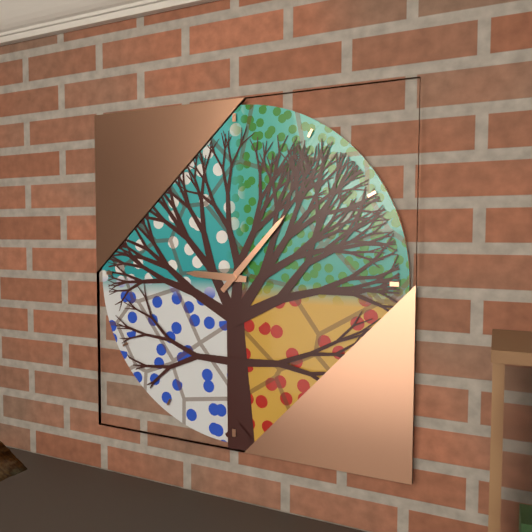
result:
9,07
